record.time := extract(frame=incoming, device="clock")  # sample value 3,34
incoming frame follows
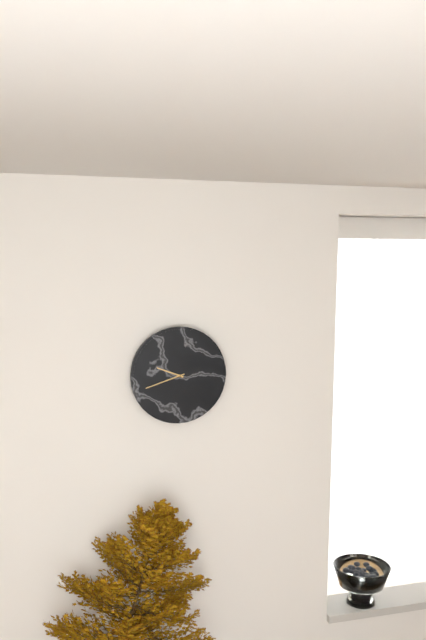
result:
9,42
